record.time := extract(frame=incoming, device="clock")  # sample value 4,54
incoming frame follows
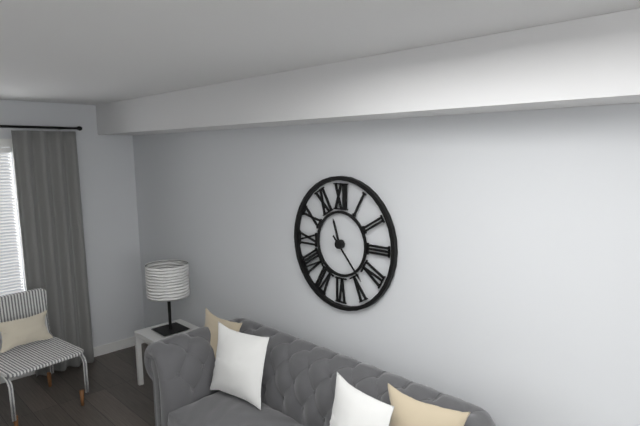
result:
11,23
